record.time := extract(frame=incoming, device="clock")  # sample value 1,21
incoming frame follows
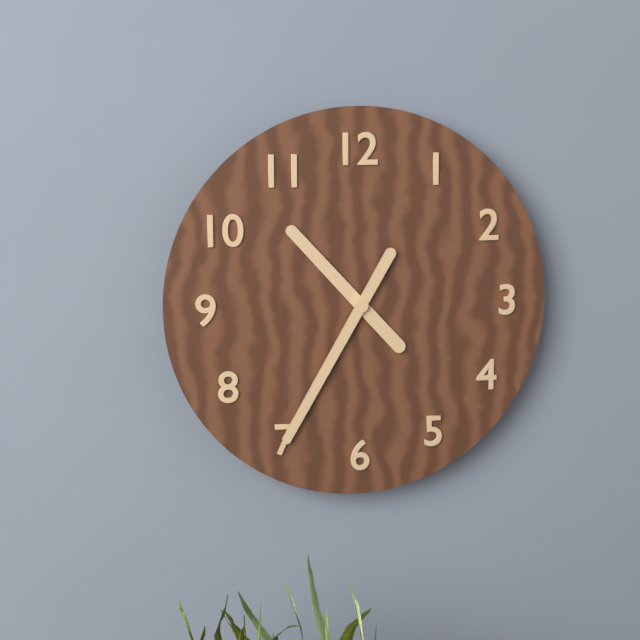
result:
10,35
